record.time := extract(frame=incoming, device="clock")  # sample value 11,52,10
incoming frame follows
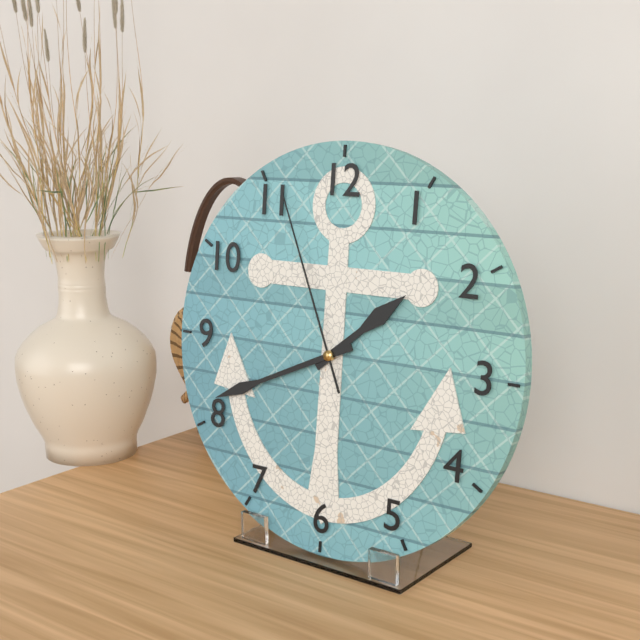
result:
1,41,56
